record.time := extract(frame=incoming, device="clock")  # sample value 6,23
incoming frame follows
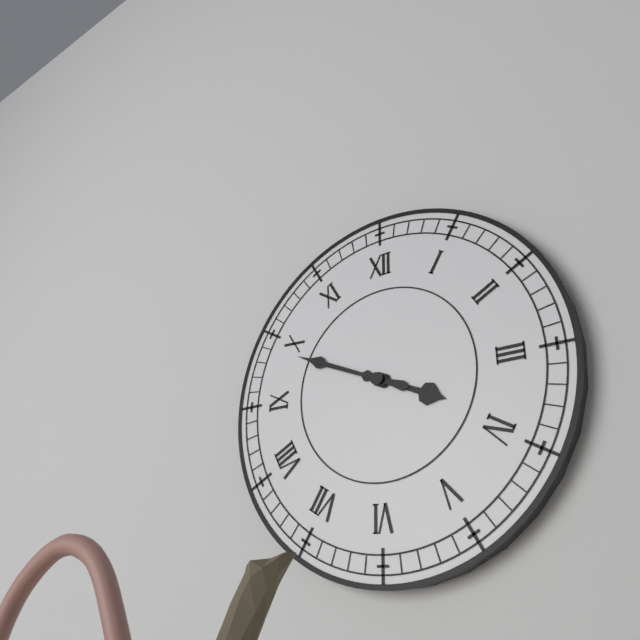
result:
3,49
